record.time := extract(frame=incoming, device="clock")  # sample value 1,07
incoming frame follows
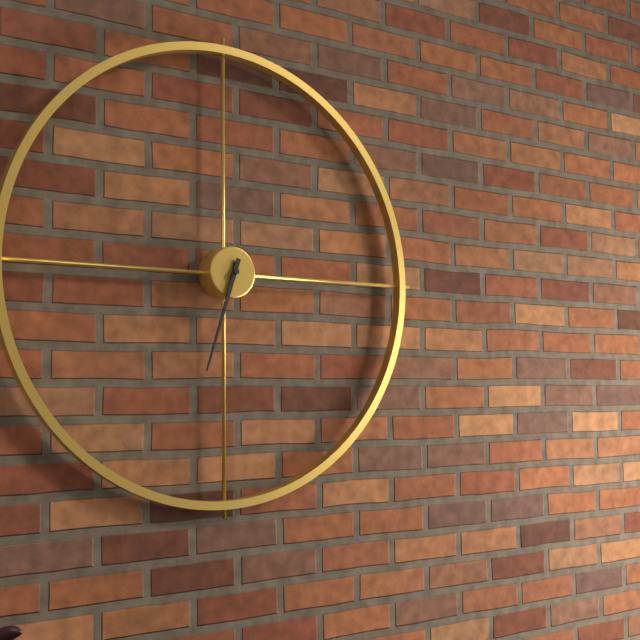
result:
6,33
